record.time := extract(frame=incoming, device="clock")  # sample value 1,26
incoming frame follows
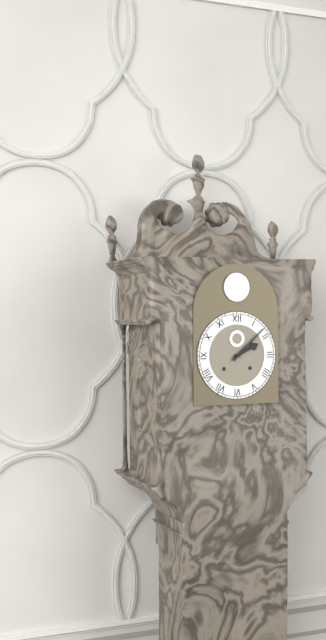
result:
2,08
